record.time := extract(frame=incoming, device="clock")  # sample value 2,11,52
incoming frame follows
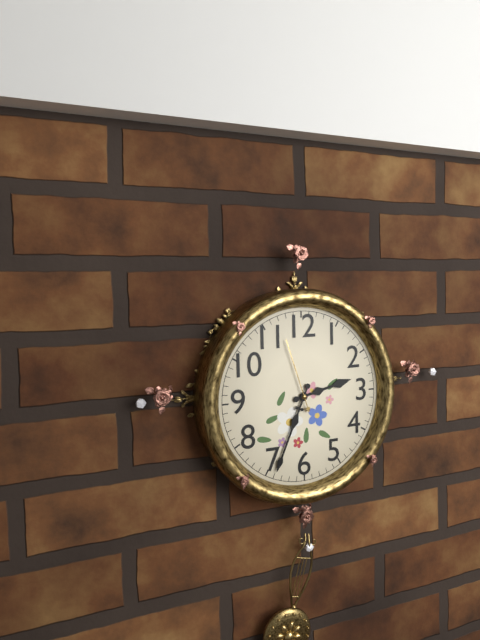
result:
2,34,57
